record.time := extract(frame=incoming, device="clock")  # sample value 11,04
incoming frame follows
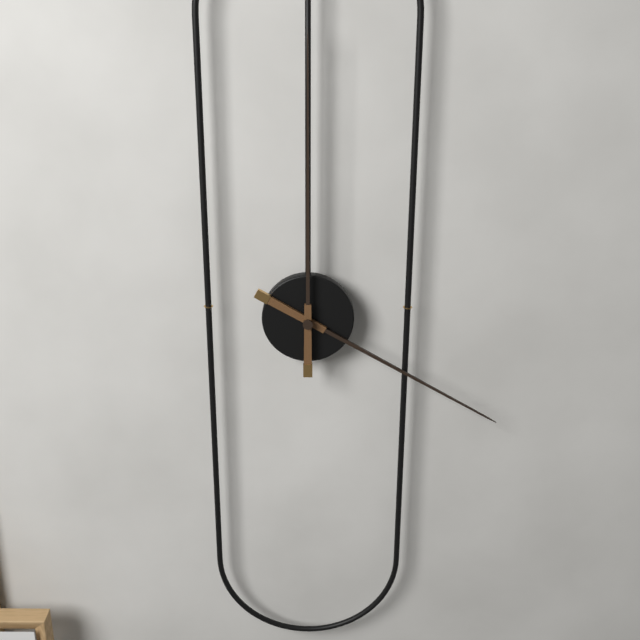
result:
4,00
